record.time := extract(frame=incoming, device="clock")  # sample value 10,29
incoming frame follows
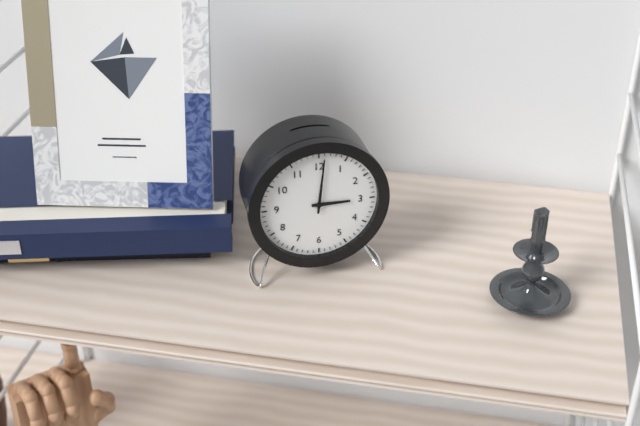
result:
3,01
